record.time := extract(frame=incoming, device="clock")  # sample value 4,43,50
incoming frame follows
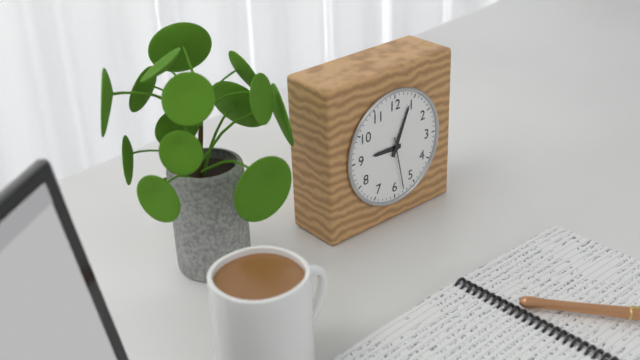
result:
9,04,28
